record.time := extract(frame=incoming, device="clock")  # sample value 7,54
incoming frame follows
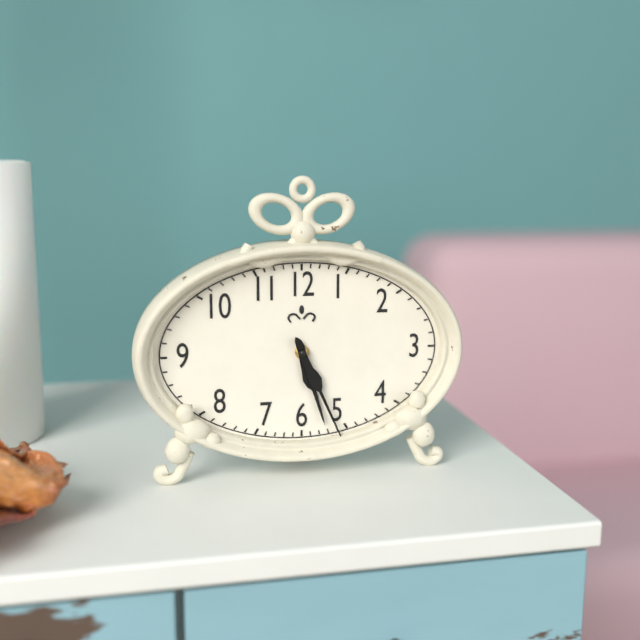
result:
5,26
